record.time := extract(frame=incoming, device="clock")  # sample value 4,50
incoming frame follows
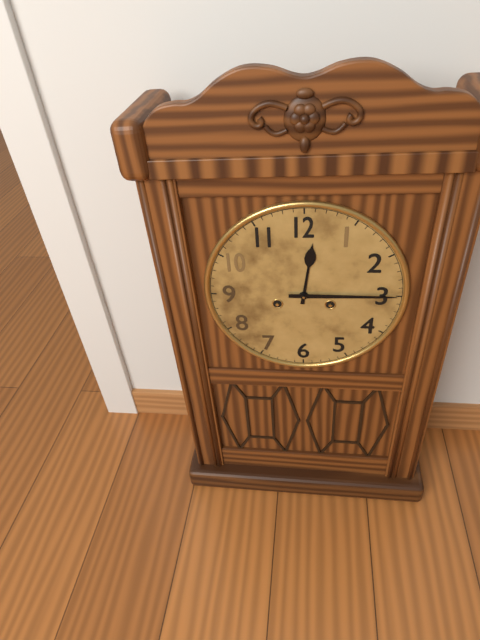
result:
12,15
